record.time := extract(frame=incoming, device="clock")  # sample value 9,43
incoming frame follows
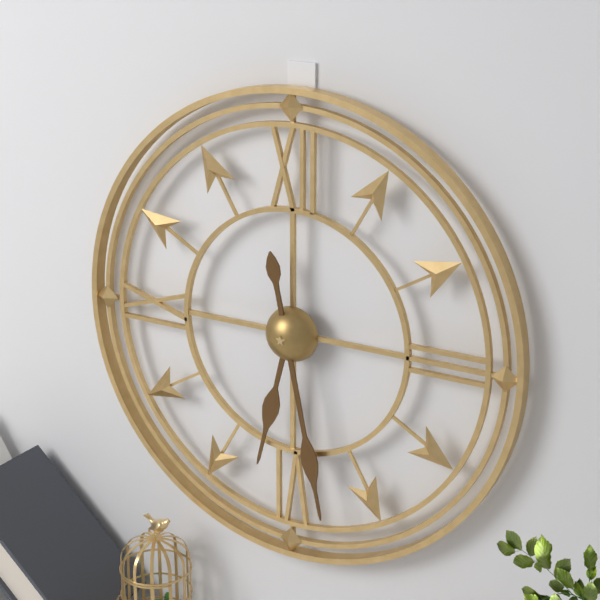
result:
6,28
